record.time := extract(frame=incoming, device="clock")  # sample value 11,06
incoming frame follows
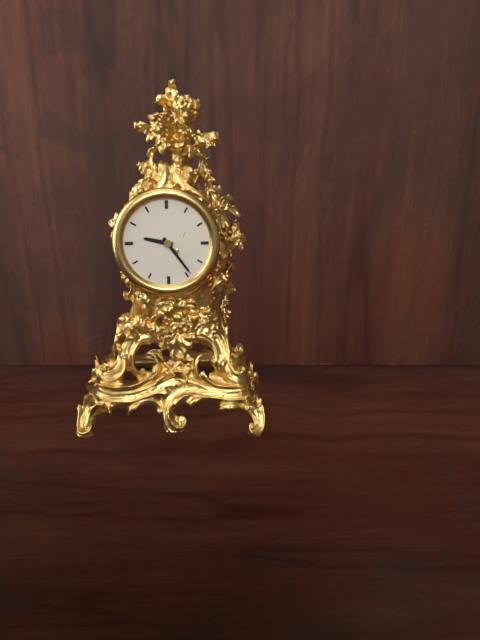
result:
9,24
